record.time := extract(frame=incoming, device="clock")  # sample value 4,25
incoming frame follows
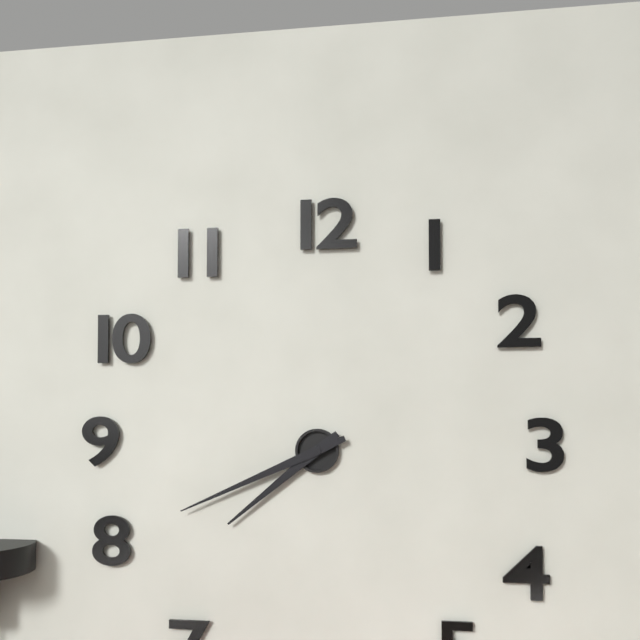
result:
7,41
